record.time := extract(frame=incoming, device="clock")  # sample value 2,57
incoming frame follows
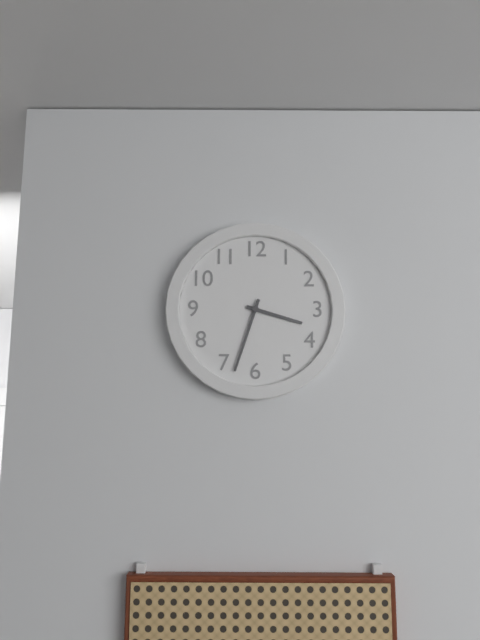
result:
3,33
